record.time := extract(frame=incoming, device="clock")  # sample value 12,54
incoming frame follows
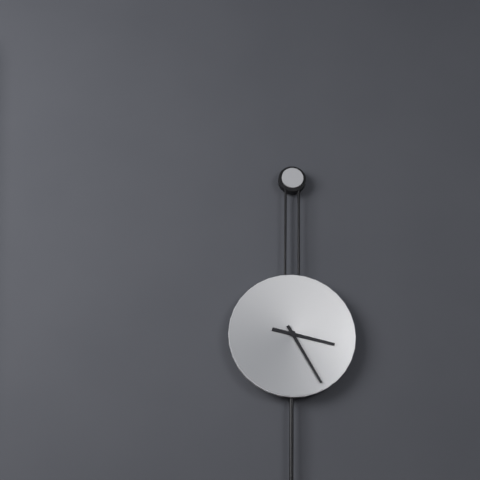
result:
3,25
